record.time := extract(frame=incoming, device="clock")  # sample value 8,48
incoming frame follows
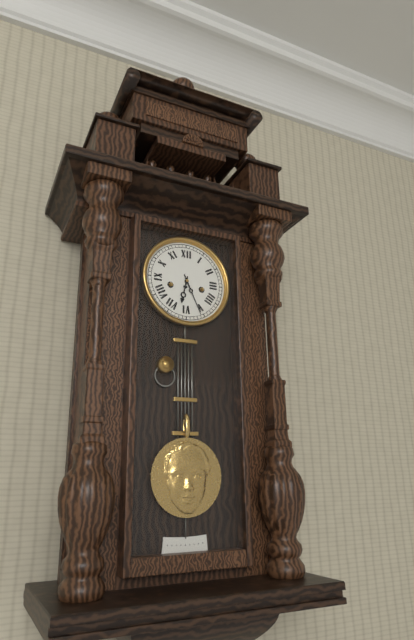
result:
6,26
